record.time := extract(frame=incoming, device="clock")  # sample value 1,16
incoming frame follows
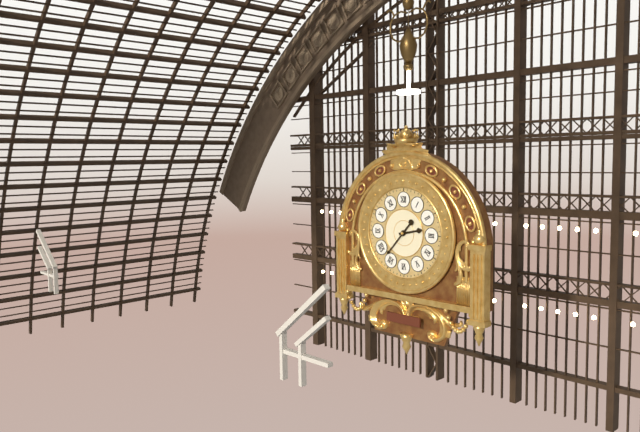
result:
2,37
